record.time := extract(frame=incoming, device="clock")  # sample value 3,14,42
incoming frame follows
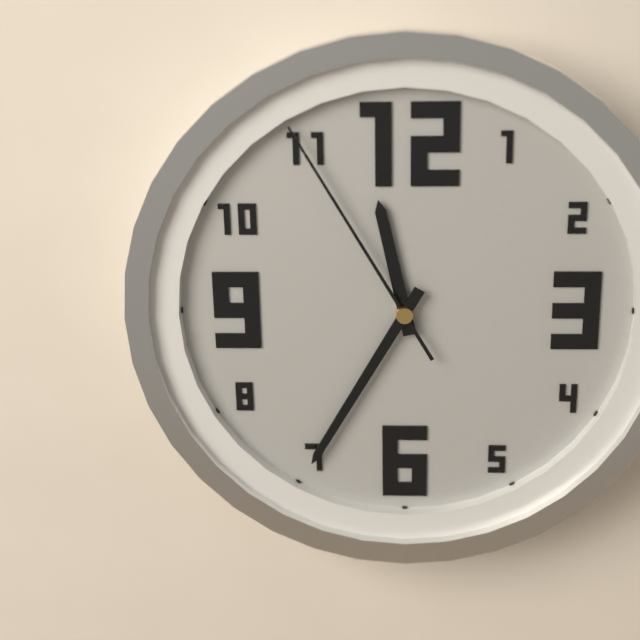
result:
11,35,55
